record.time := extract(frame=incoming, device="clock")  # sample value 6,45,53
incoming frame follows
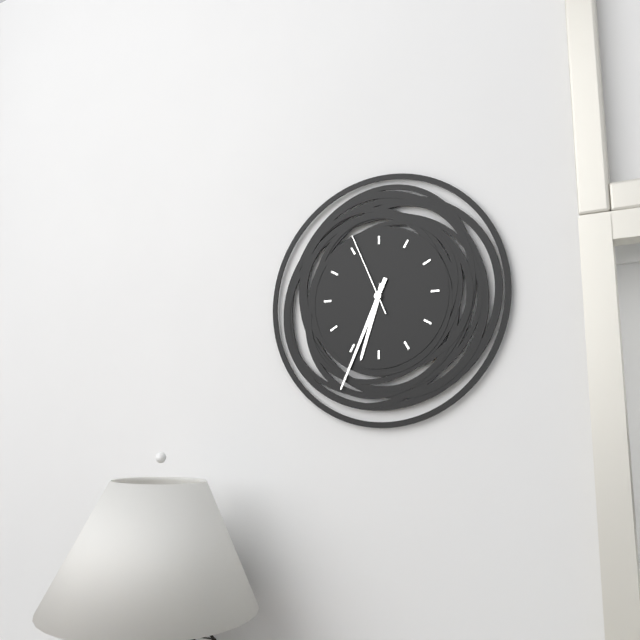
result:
6,34,56
